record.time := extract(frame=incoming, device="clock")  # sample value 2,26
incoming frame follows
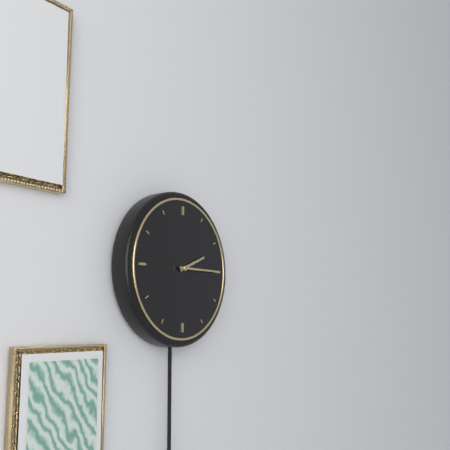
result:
2,15
